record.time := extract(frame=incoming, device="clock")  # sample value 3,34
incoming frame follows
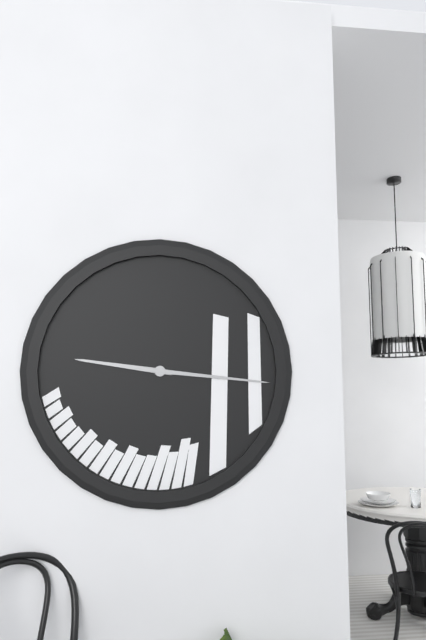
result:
9,16
